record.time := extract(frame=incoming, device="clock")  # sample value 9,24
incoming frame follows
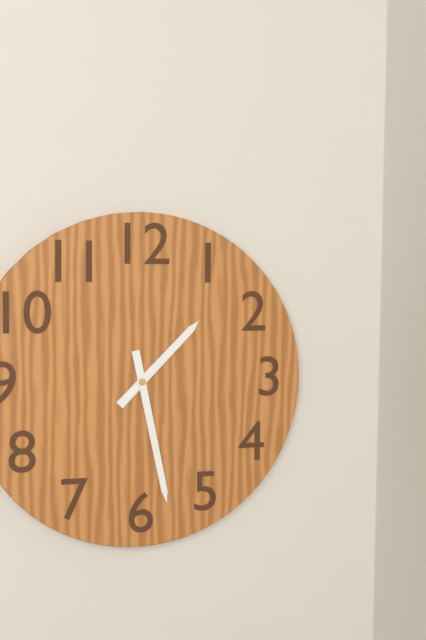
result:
1,28
